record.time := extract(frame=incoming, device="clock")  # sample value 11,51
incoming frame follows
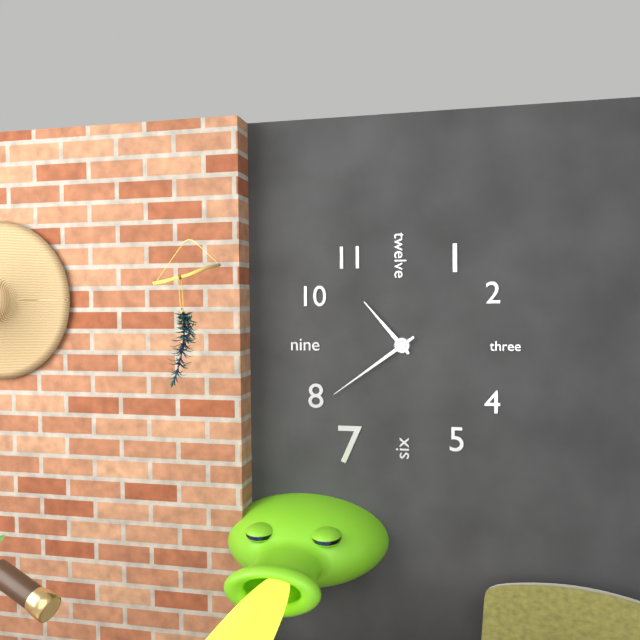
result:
10,39
